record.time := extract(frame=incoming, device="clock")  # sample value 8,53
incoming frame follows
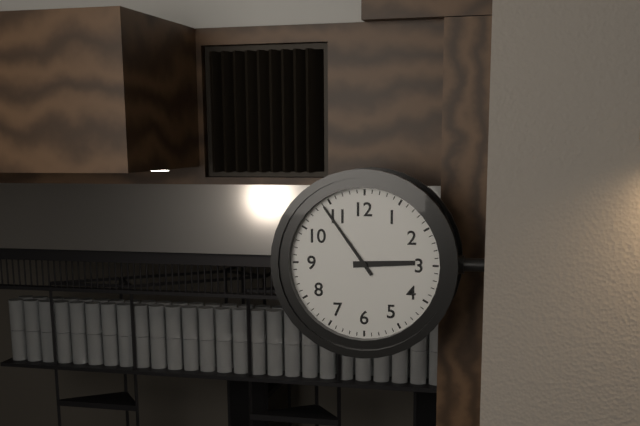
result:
2,54
